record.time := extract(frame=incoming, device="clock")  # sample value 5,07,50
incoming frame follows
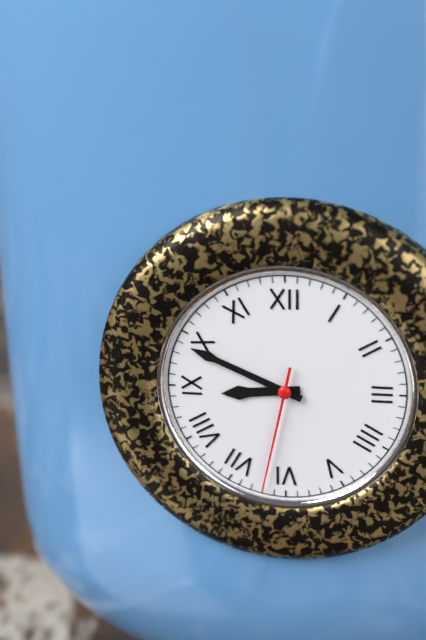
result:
8,49,32
